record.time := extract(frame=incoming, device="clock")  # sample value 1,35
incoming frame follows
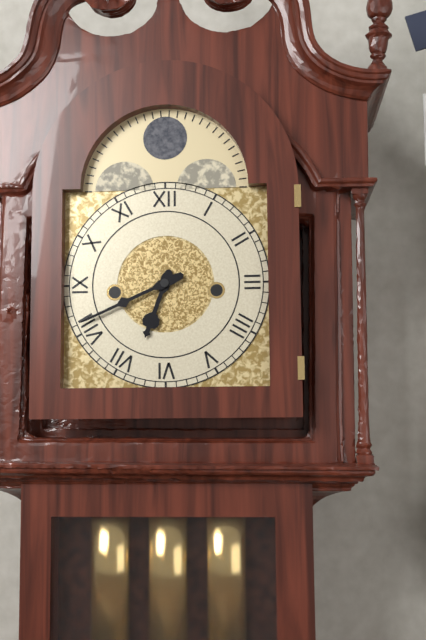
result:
6,41
